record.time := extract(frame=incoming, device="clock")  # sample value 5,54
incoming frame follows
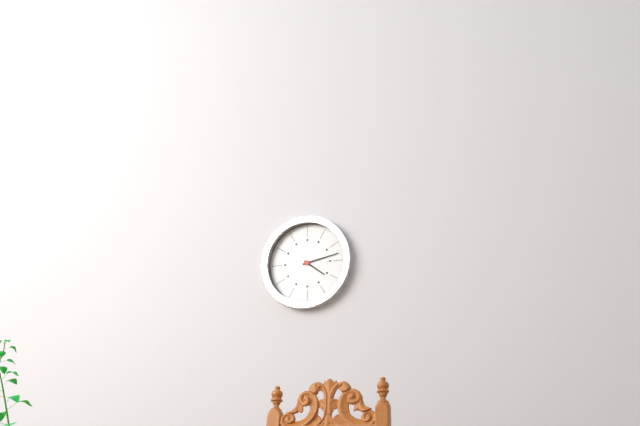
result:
4,13
